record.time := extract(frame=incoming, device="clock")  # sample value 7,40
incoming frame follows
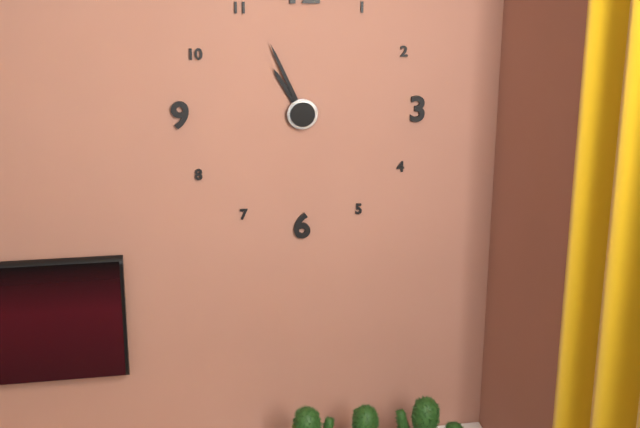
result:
10,56
